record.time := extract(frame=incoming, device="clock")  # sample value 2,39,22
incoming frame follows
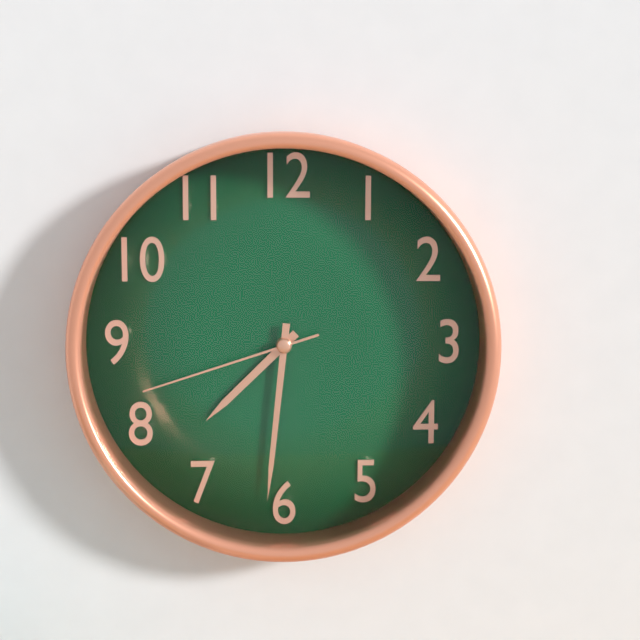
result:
7,31,42
